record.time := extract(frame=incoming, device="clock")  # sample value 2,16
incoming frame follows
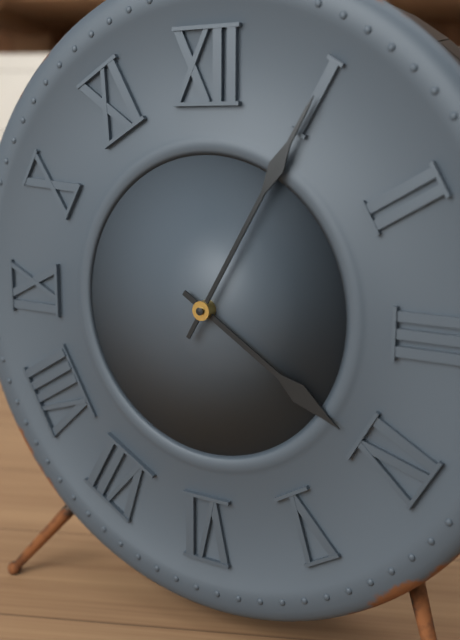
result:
4,05
